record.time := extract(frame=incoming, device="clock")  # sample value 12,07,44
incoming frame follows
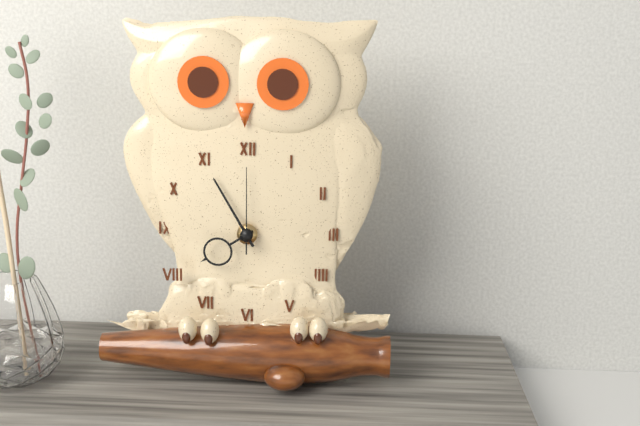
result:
7,55,00
